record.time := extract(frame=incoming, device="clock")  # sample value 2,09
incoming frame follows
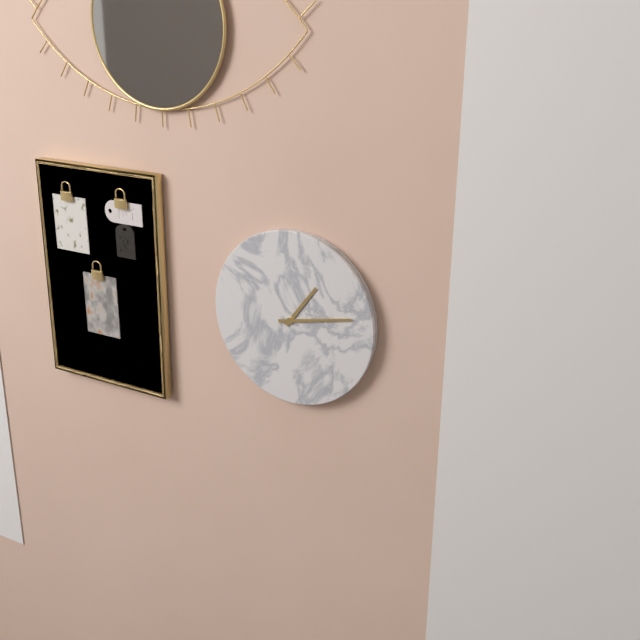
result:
1,13
